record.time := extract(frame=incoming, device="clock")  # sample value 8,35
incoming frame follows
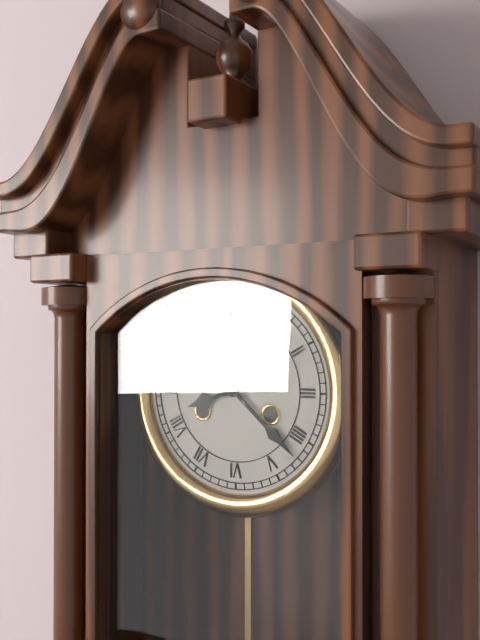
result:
8,22
